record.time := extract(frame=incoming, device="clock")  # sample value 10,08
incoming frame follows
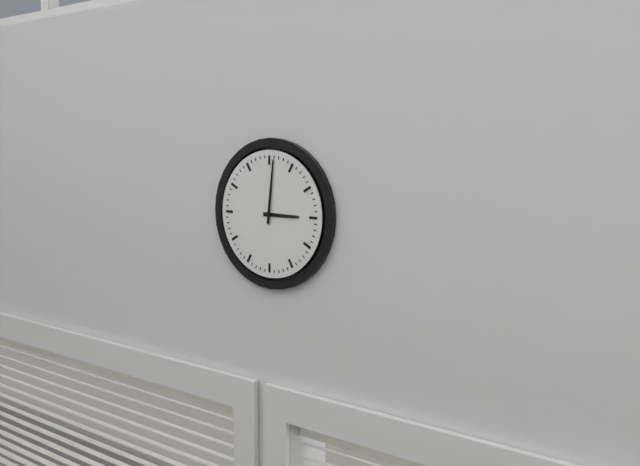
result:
3,01
